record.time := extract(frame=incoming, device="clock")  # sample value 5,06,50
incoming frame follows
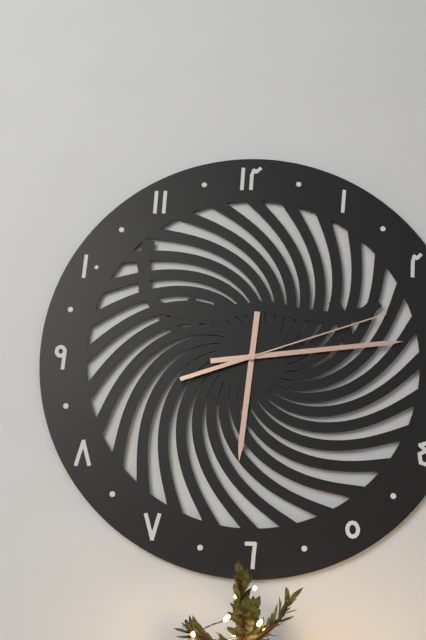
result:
6,14,12
